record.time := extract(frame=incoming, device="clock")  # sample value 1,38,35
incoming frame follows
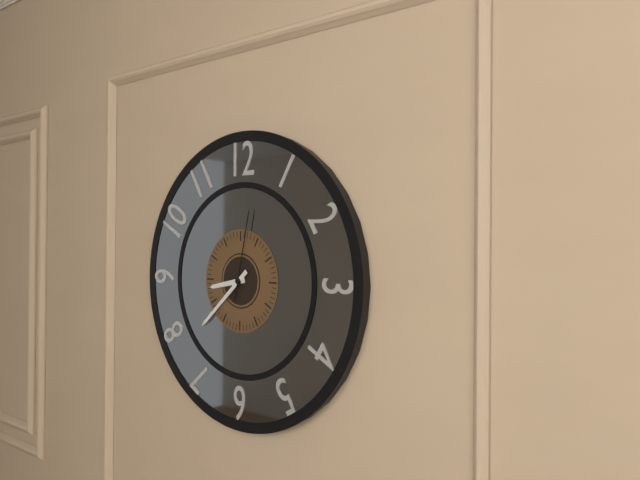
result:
8,38,02
